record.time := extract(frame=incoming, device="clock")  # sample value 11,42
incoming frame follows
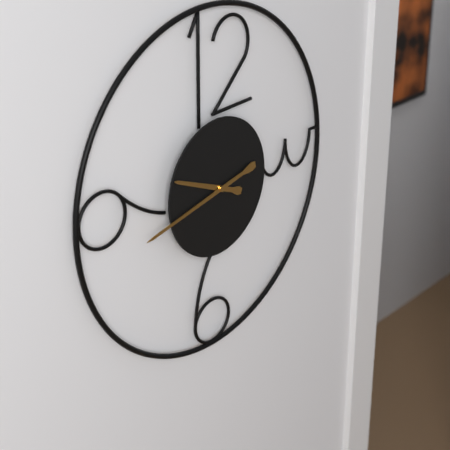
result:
9,43
